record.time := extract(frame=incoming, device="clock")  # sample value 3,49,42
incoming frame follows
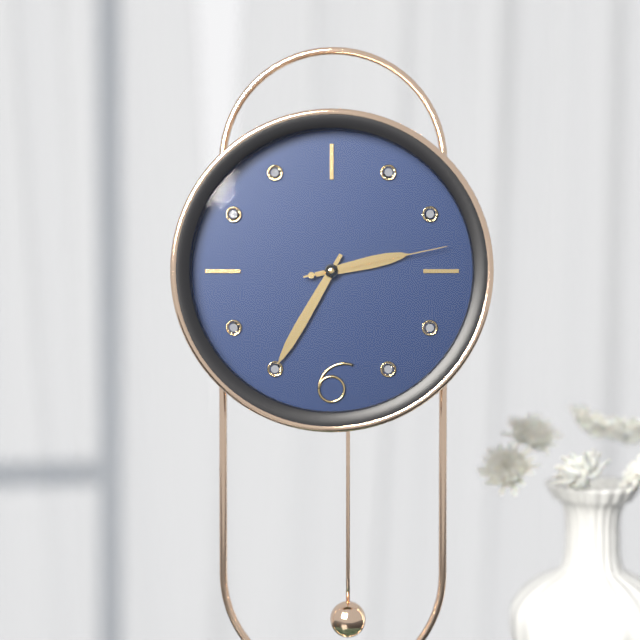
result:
2,35,13
